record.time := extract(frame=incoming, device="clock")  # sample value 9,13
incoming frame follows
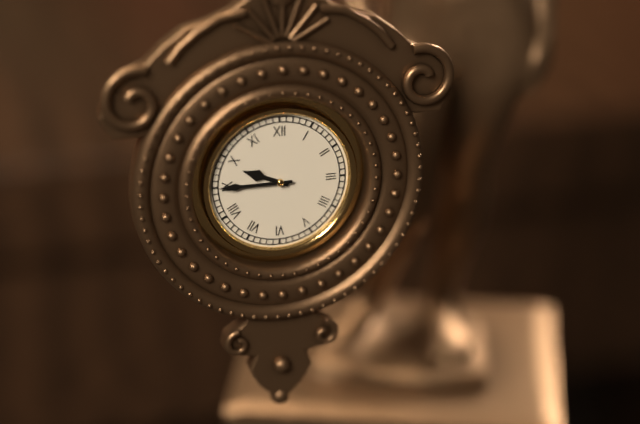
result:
9,45
